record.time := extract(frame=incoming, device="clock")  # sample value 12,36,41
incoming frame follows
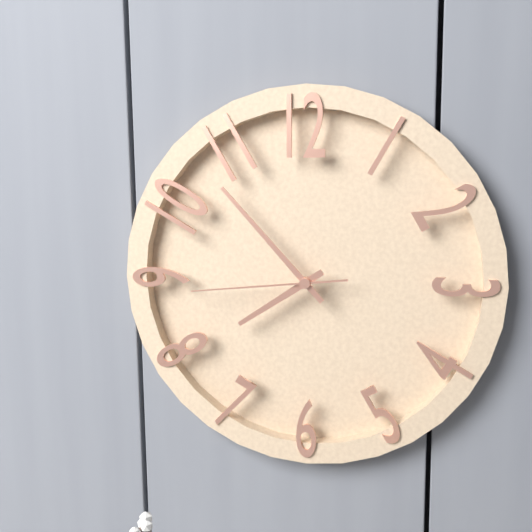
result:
7,53,44
